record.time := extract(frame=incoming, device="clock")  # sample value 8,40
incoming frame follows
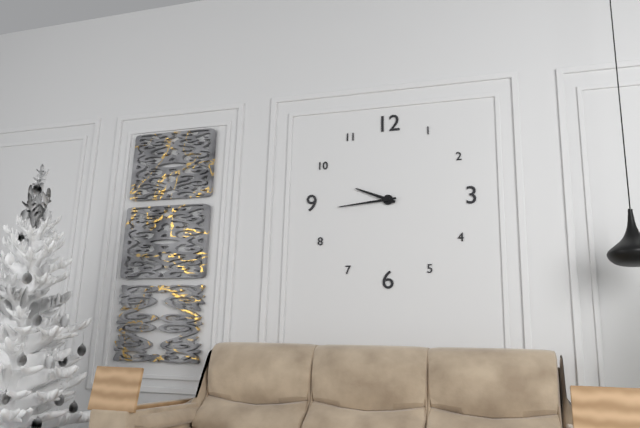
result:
9,44
